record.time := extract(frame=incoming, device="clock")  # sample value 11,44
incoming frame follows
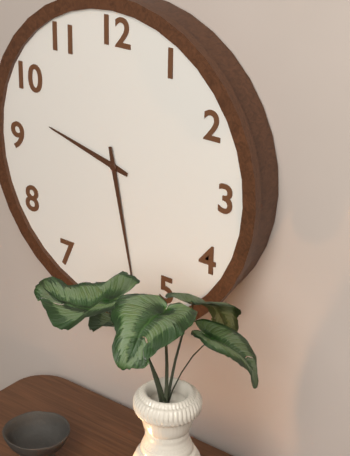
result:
9,28
